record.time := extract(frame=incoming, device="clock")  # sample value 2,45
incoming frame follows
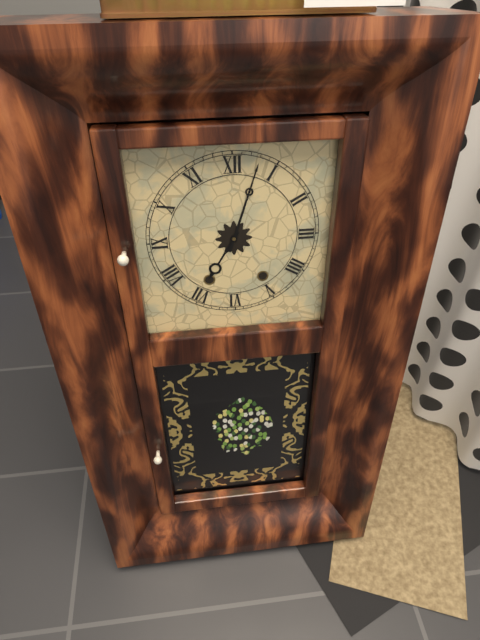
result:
7,03
